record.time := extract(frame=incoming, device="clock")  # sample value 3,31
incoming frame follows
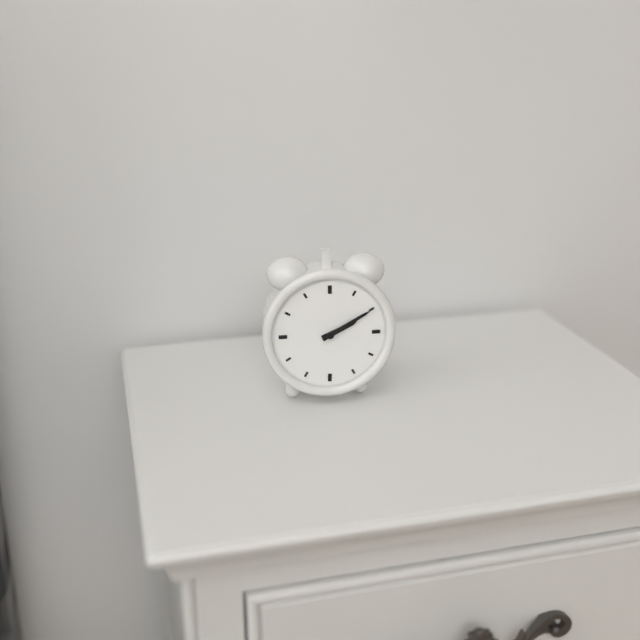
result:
2,10
